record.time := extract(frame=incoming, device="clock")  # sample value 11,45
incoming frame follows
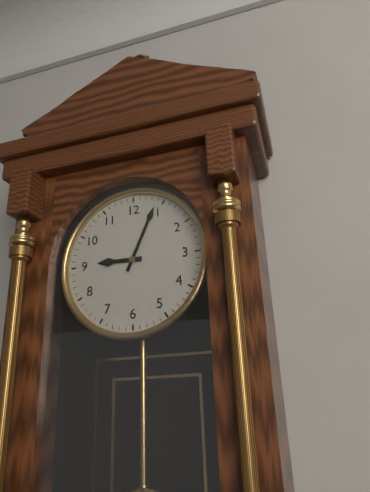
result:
9,04
